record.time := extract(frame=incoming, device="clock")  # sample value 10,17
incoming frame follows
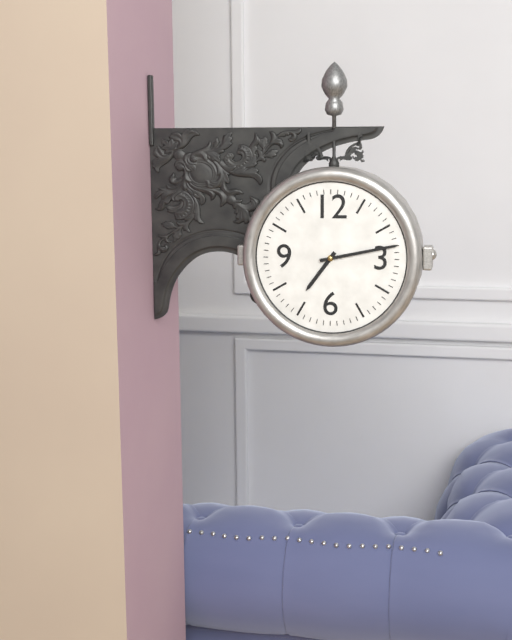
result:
7,13
